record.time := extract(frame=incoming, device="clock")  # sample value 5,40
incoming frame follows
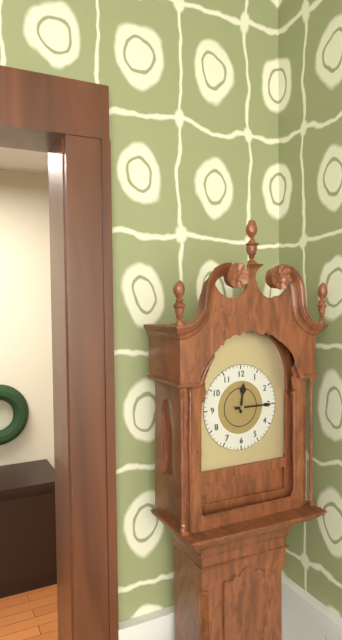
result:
12,15
